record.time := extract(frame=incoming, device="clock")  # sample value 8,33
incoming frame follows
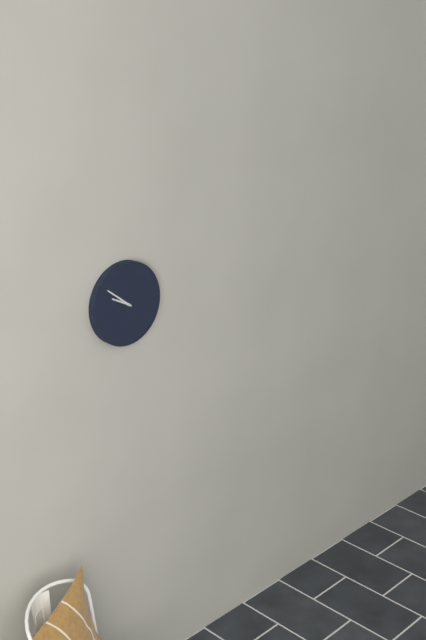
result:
9,51
